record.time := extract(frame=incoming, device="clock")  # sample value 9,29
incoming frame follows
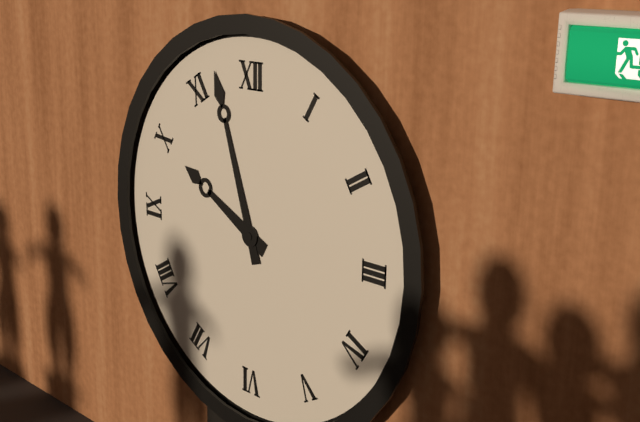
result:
9,57
